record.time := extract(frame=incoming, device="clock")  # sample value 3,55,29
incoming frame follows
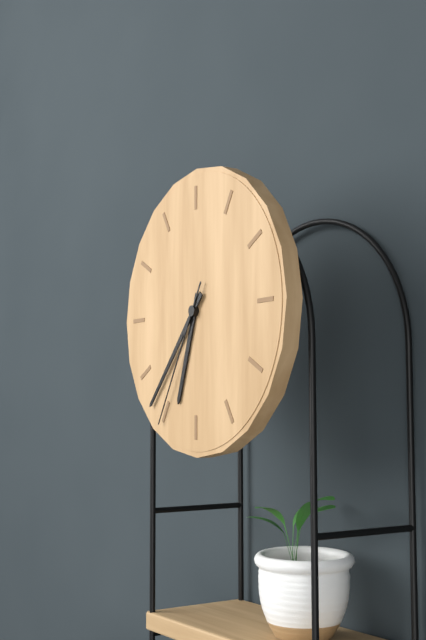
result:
6,37,35
